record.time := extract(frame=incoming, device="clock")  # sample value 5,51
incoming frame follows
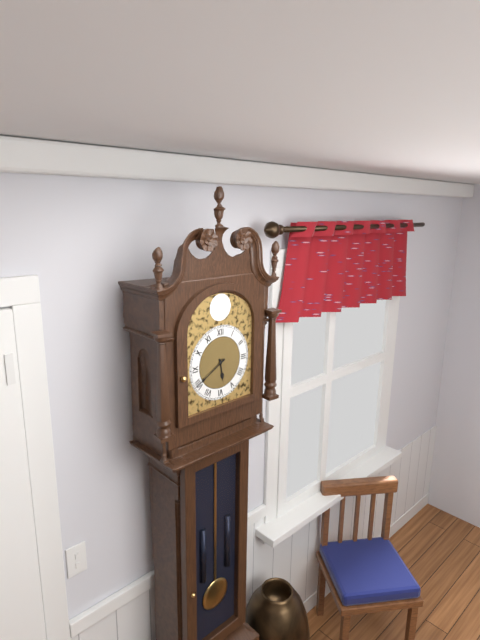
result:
5,40
